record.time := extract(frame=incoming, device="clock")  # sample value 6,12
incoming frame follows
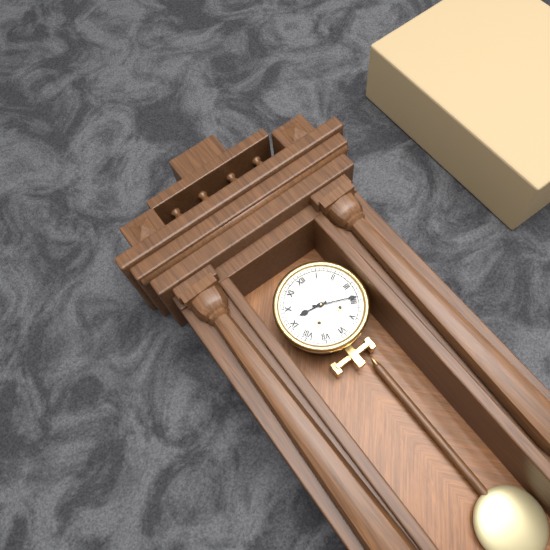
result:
9,19
